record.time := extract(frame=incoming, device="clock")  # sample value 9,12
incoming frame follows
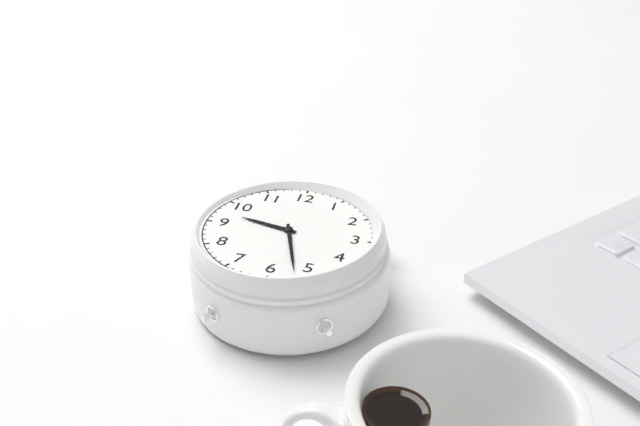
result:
9,27
